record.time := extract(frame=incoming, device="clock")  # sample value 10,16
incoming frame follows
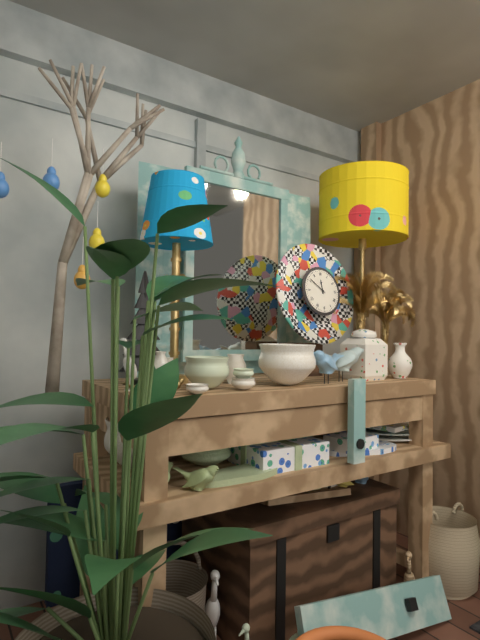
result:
11,51
